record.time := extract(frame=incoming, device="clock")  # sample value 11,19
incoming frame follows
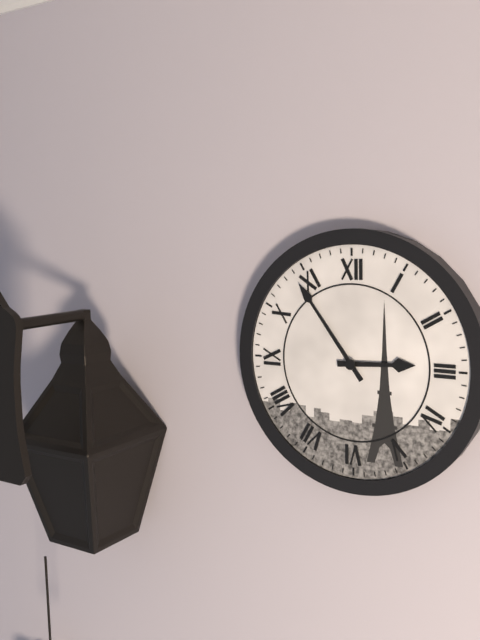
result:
2,54
